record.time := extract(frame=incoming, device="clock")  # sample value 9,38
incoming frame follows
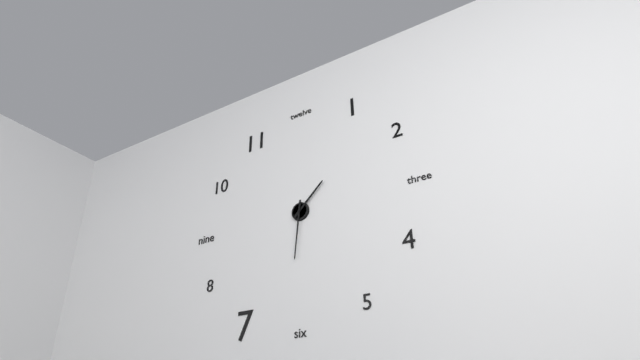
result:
1,31
